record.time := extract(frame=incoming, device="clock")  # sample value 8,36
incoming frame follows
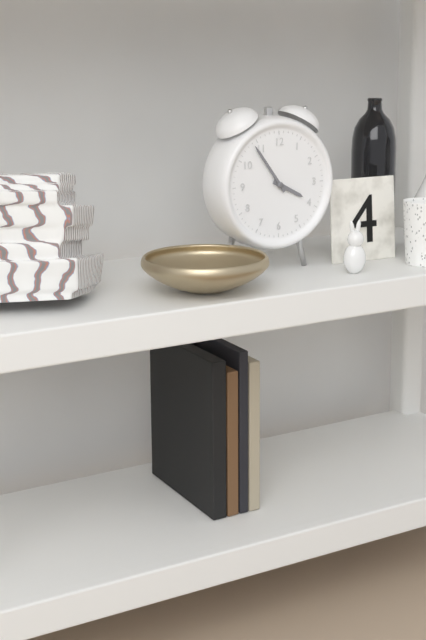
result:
3,54
